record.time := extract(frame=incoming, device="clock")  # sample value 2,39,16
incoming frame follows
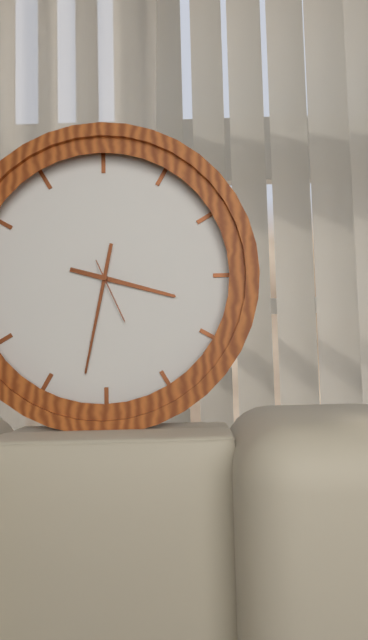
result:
3,32,26
